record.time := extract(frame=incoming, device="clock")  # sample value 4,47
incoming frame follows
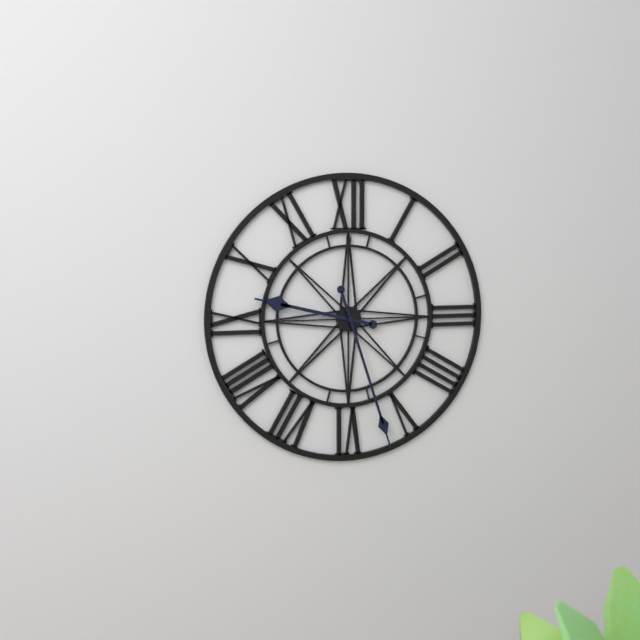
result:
9,27
